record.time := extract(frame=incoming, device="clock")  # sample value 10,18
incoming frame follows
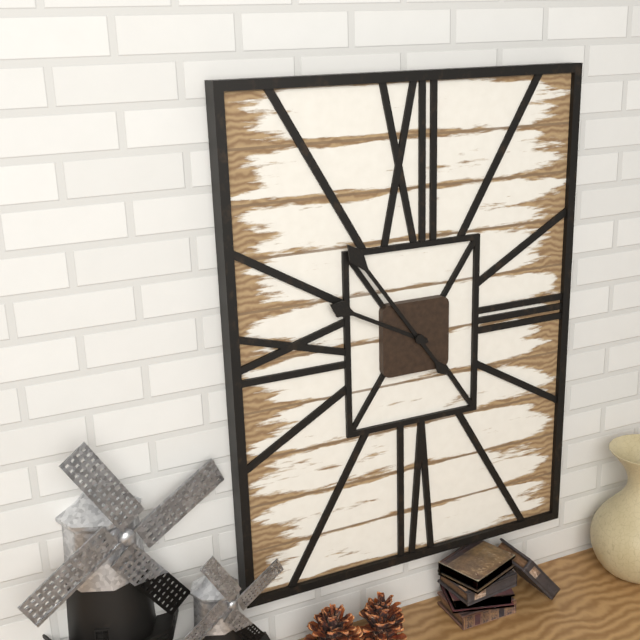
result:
9,54
